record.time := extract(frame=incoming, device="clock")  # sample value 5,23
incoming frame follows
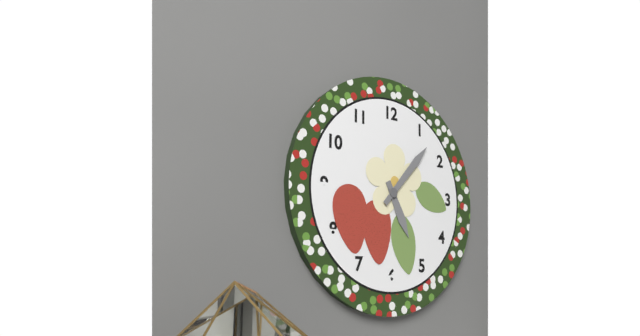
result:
5,07
